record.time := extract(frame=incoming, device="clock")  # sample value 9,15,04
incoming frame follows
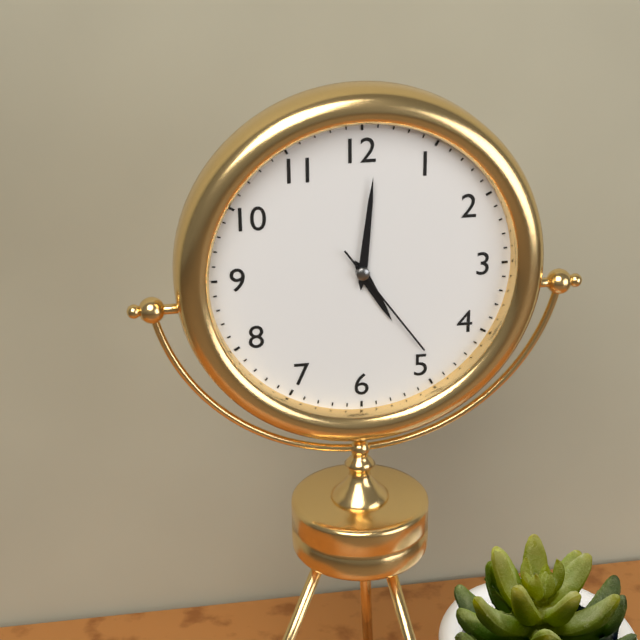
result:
5,01,24
